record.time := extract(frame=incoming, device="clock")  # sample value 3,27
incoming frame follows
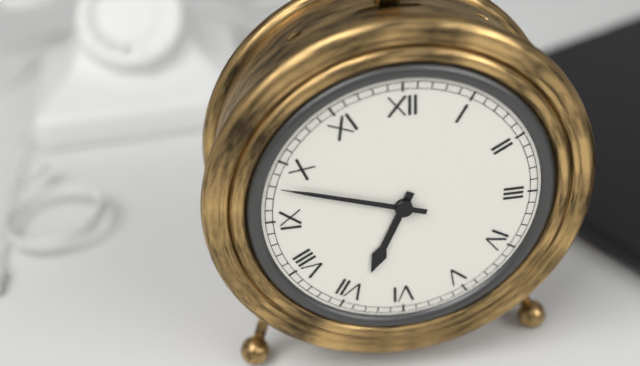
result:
6,48
